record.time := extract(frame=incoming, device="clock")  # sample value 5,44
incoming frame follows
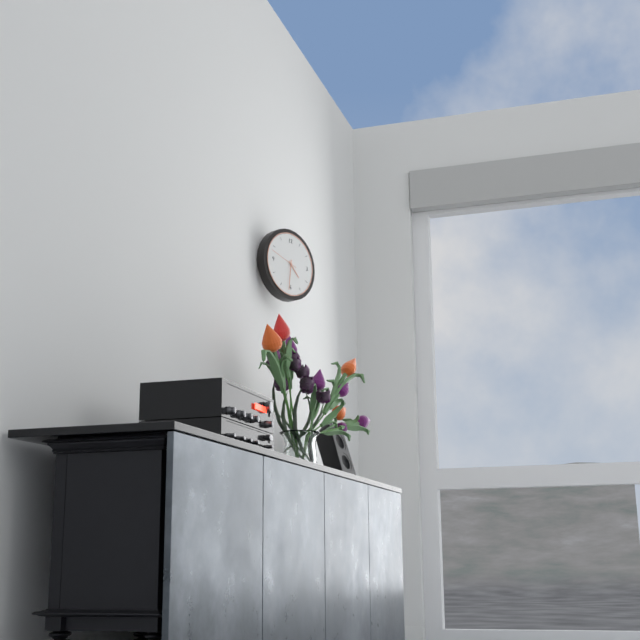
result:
4,31
